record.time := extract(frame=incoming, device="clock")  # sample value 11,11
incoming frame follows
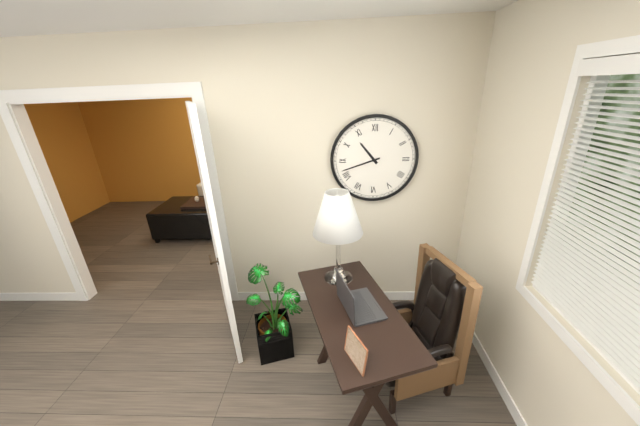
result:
10,42
